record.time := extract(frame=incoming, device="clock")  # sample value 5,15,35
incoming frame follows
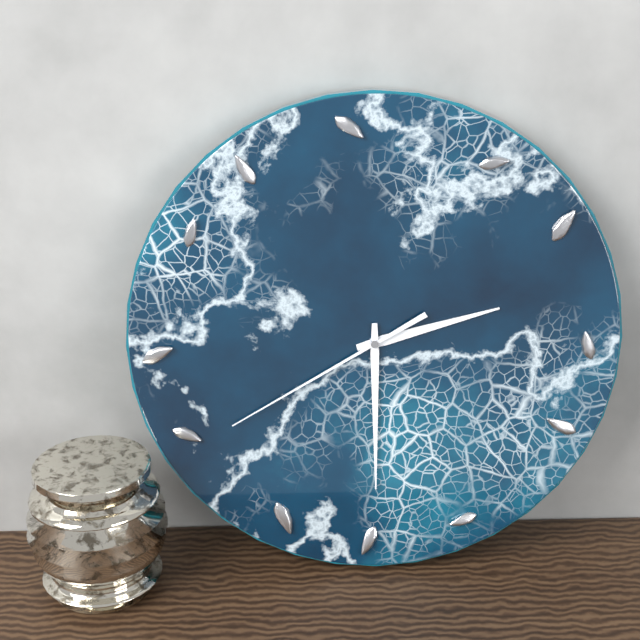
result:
2,30,40
